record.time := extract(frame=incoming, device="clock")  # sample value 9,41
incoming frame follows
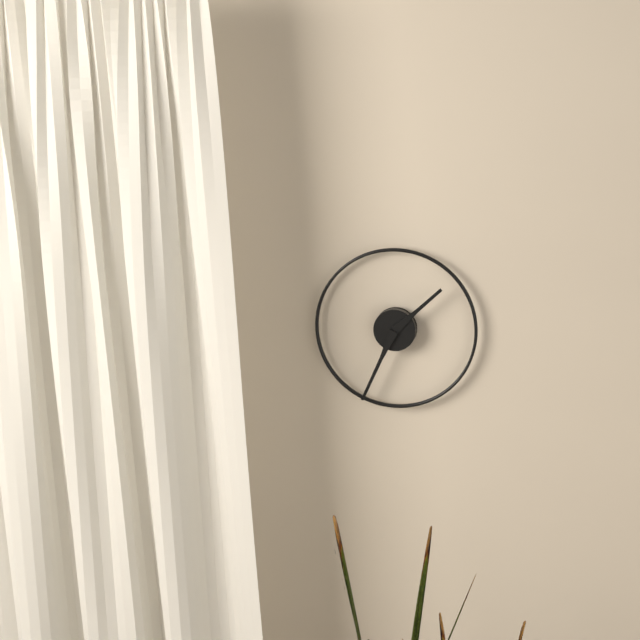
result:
1,34
